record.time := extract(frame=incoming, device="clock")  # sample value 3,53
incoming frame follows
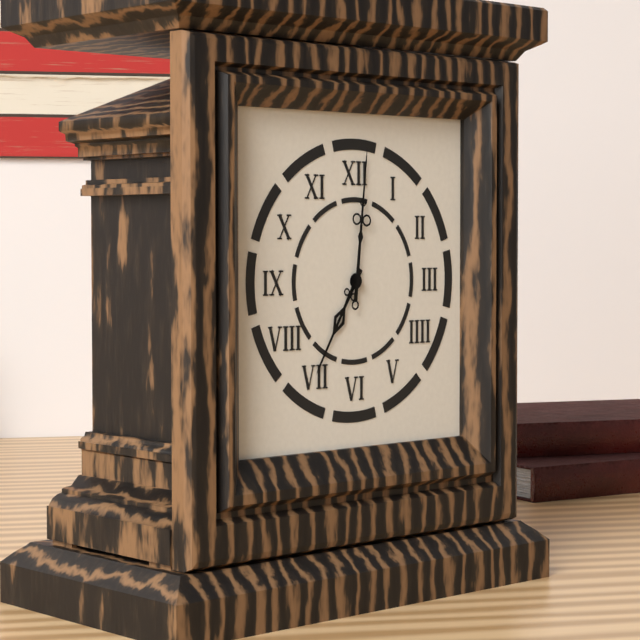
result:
7,01
